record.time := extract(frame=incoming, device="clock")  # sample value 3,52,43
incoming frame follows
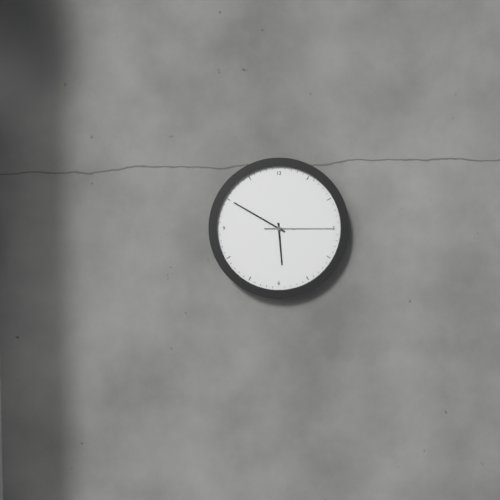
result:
5,50,15
